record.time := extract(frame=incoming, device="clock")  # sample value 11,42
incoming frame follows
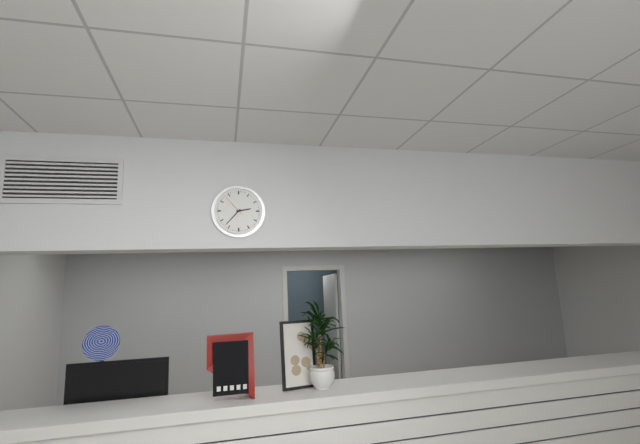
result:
2,37
